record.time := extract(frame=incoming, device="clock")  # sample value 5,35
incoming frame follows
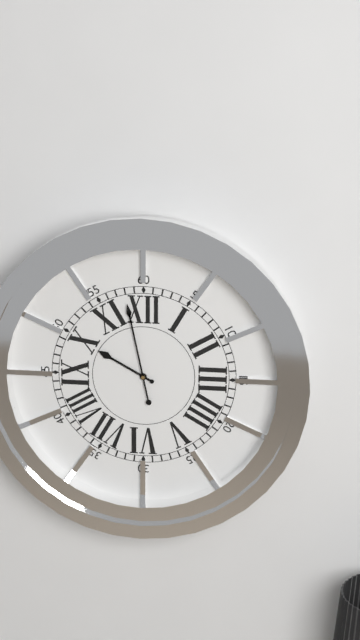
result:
9,58
